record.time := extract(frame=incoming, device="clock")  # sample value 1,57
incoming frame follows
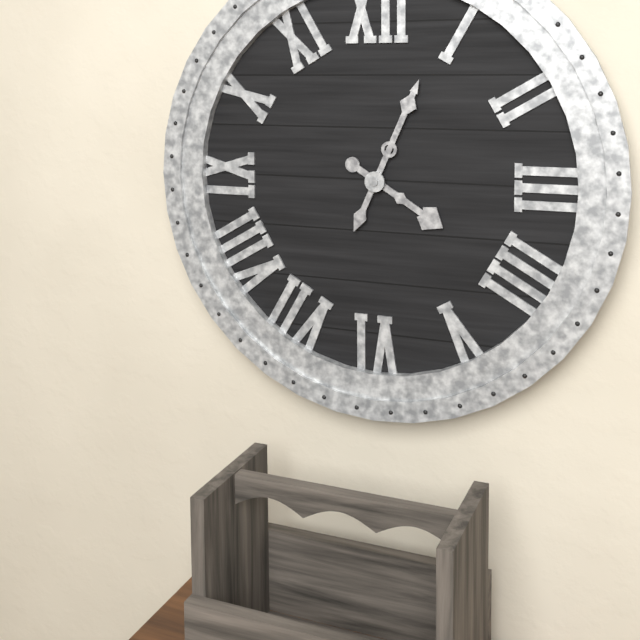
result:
4,04
